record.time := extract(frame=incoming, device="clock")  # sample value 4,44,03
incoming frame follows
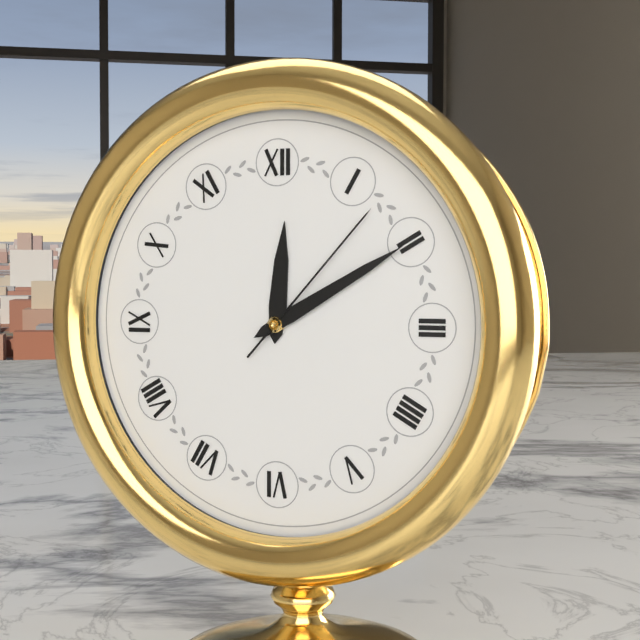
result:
12,10,07
